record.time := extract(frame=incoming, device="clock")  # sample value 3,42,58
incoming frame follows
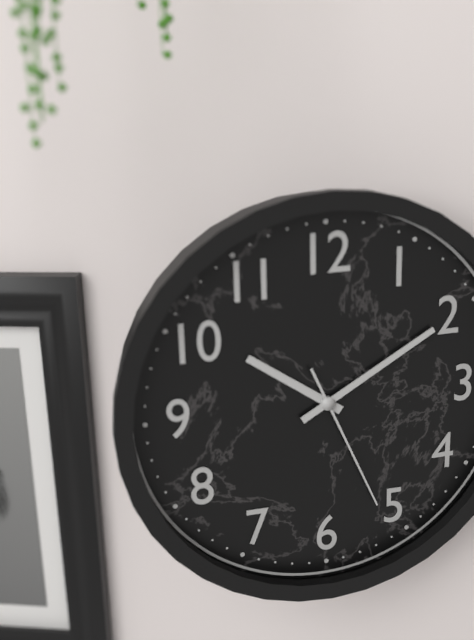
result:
10,10,26
